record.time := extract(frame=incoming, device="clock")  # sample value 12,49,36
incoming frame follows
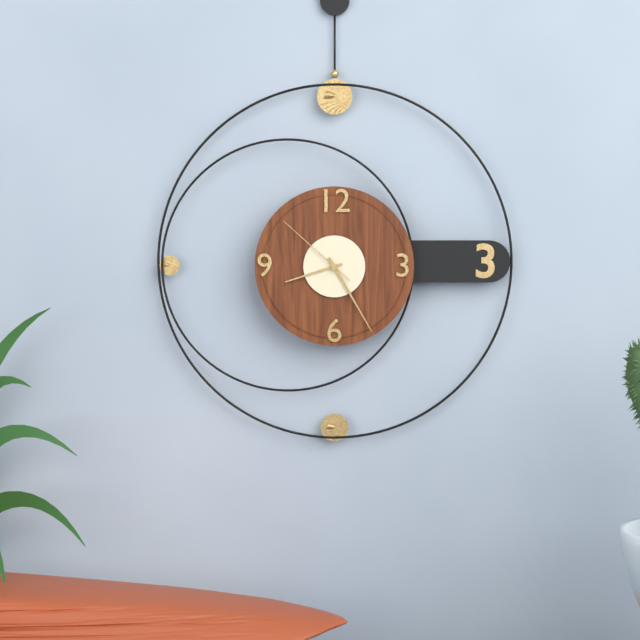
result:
8,25,52
